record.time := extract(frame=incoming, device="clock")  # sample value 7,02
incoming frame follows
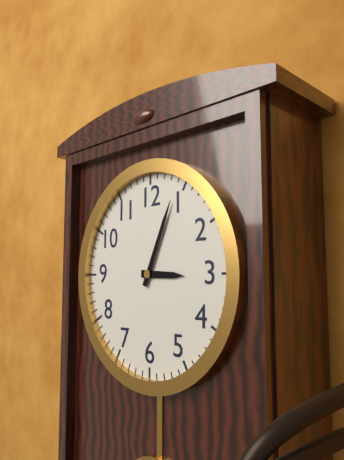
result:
3,04
